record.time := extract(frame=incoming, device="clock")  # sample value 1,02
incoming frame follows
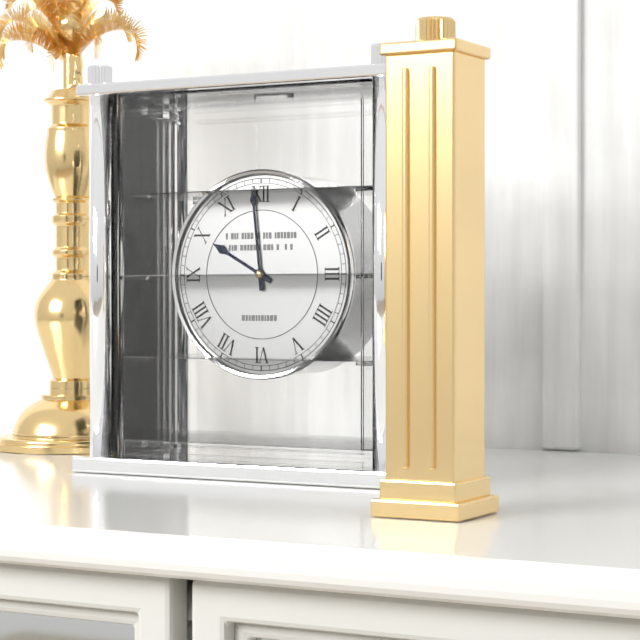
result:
9,59
